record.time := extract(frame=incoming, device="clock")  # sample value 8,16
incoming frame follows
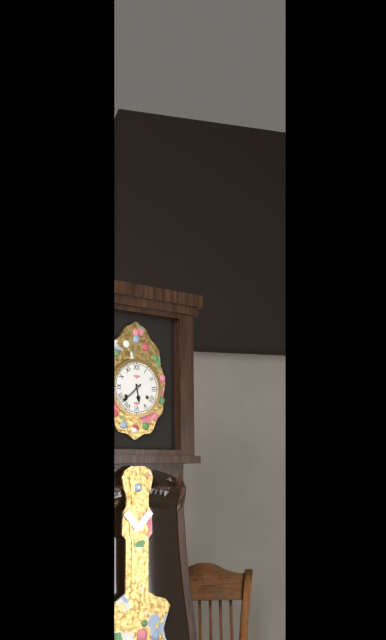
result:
5,38
